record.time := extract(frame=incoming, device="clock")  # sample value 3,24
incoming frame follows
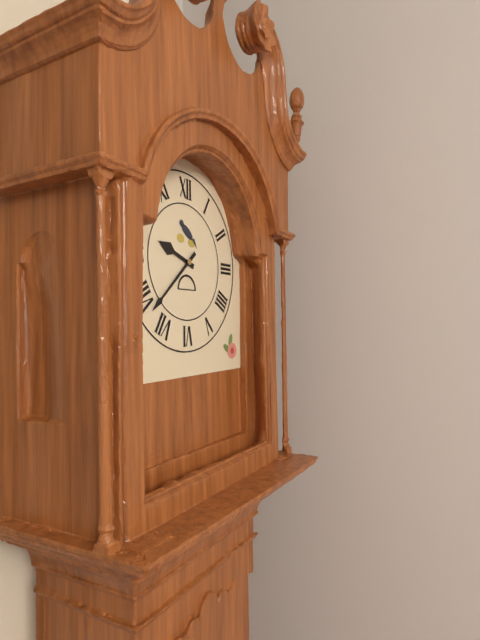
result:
9,38
